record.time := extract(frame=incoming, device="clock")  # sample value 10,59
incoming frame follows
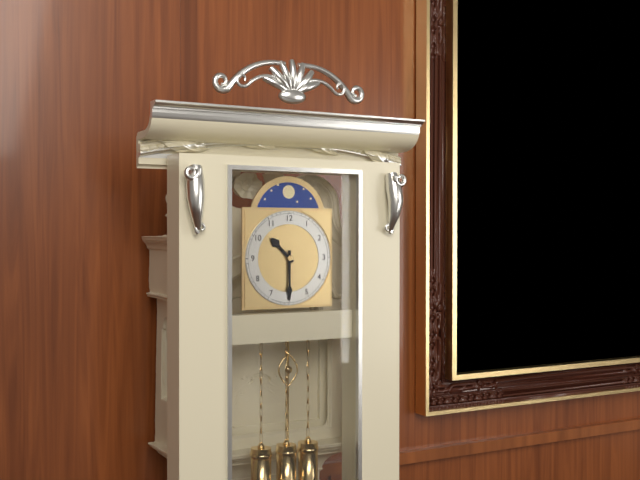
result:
10,30
